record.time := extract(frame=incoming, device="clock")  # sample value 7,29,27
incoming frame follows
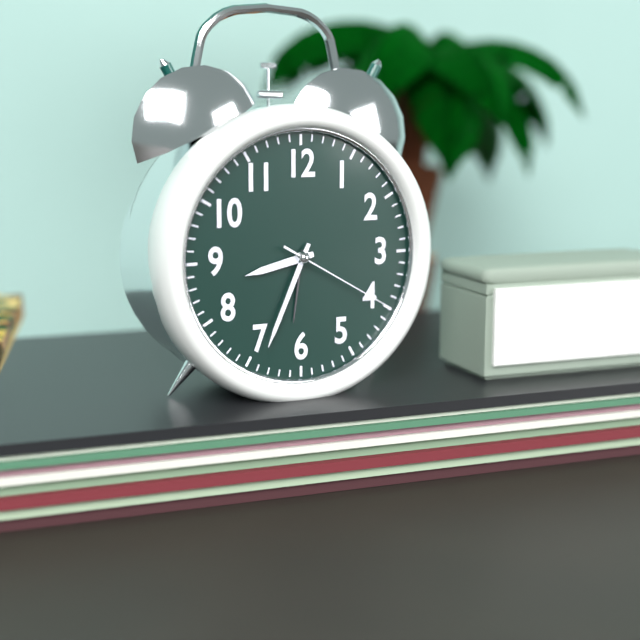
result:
8,34,20
